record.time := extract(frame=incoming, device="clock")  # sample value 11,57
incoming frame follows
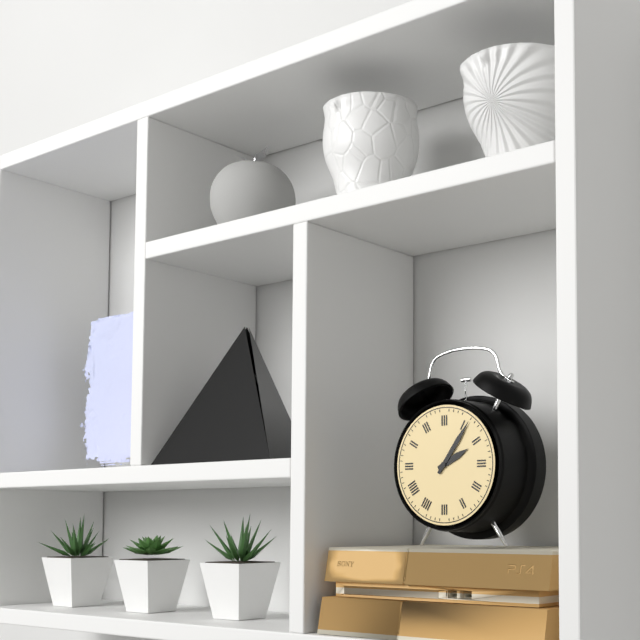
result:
2,06
